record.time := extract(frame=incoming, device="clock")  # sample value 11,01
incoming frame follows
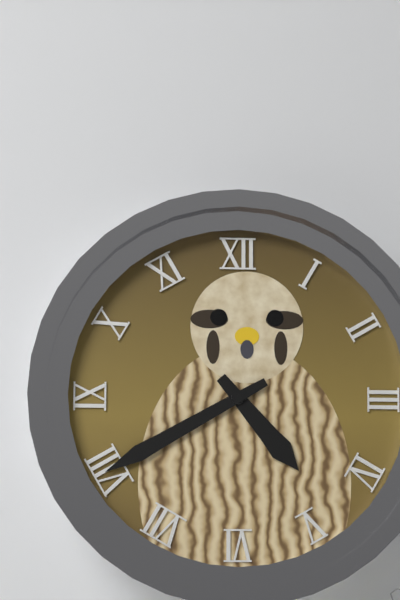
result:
4,40
